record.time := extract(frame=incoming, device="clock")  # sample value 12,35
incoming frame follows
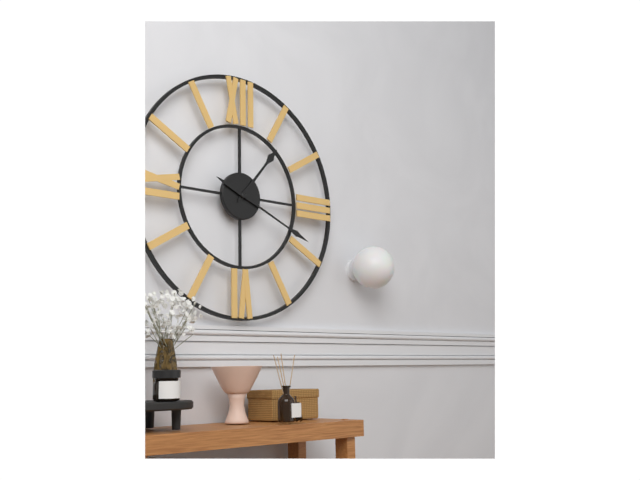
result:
1,19
